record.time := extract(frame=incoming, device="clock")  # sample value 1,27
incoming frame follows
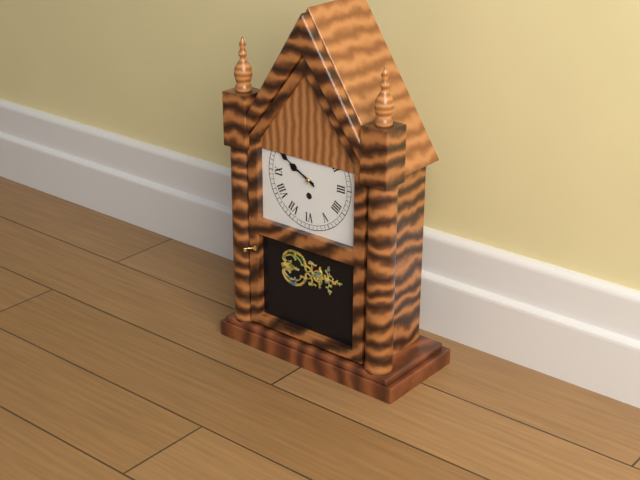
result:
9,50
